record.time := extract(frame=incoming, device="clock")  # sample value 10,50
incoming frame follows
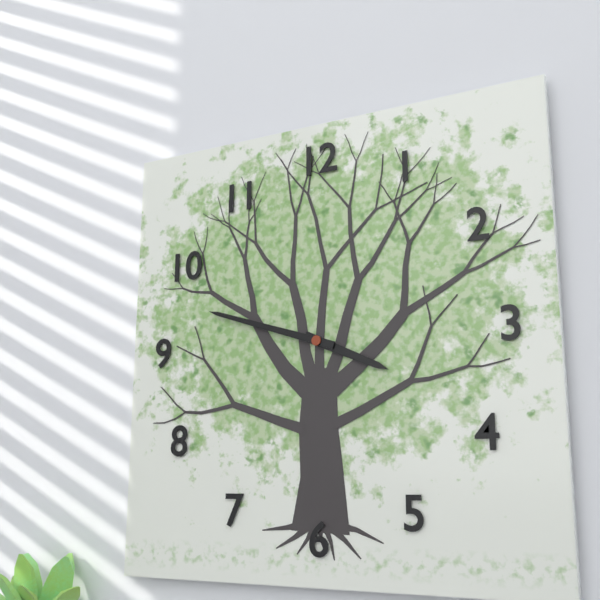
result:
3,48
